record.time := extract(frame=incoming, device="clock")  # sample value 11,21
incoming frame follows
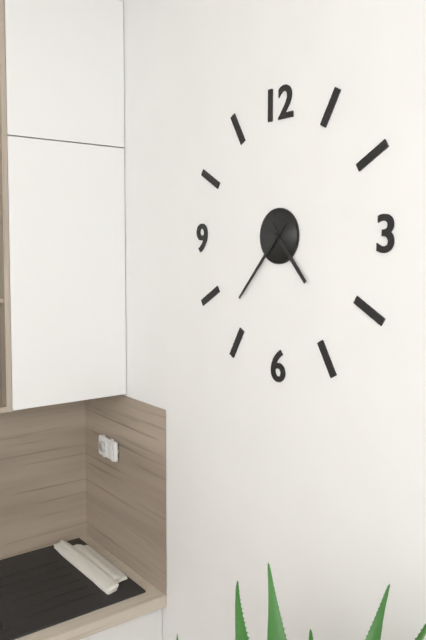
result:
4,37
